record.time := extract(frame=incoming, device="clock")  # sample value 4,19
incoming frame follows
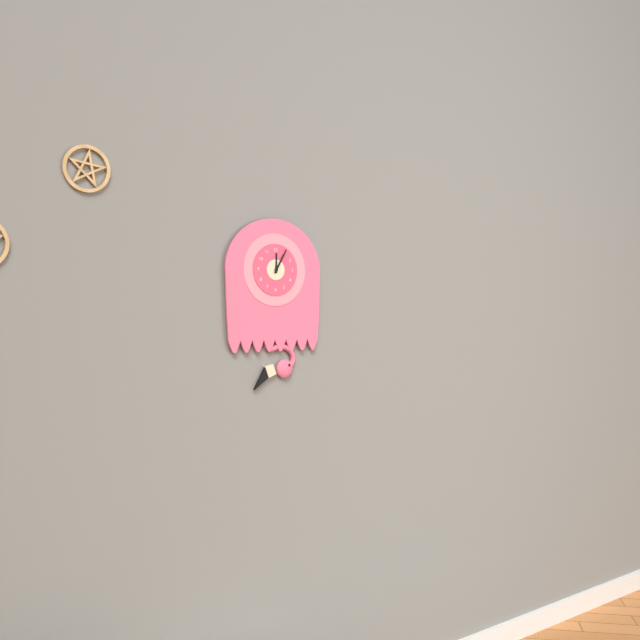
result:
12,05
